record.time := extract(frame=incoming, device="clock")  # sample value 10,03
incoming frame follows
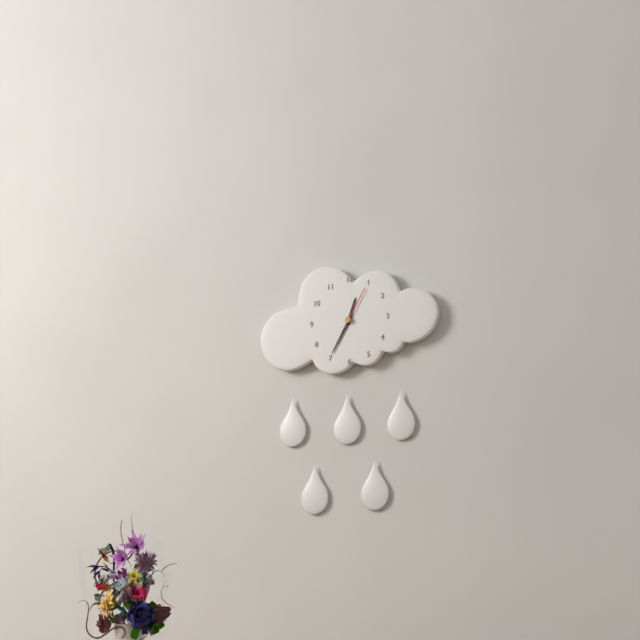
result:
12,35
